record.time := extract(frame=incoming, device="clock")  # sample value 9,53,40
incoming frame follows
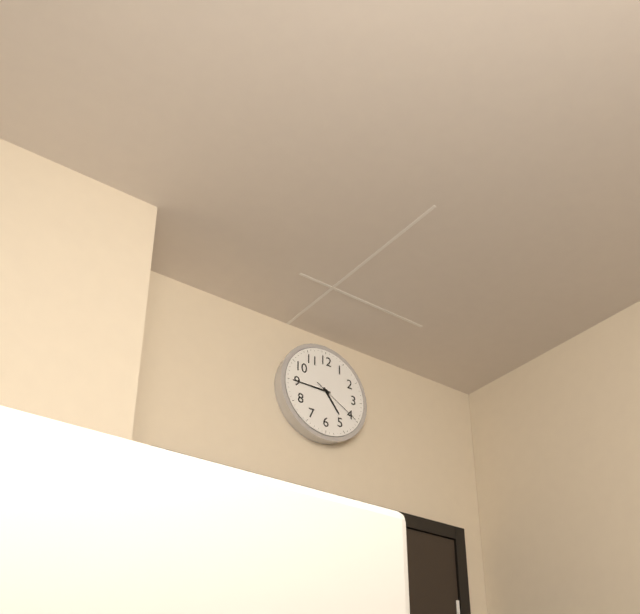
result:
4,45,20
